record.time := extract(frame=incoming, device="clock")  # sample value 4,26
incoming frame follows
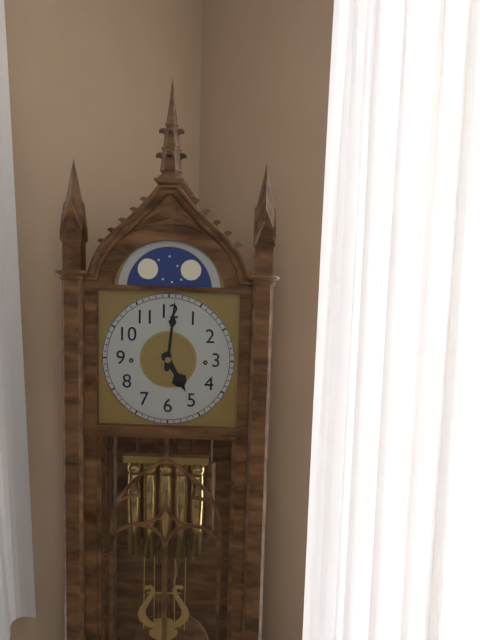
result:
5,01
